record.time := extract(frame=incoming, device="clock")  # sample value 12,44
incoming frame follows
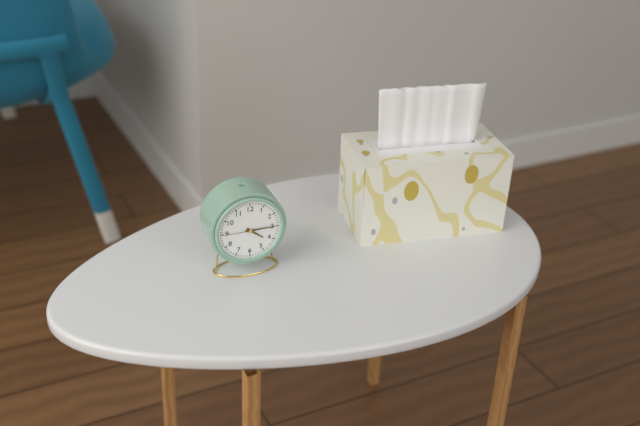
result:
4,15
